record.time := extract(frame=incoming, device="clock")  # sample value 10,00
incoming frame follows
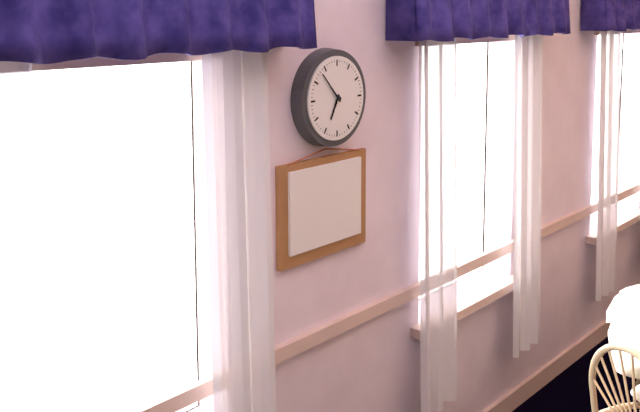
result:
6,53
